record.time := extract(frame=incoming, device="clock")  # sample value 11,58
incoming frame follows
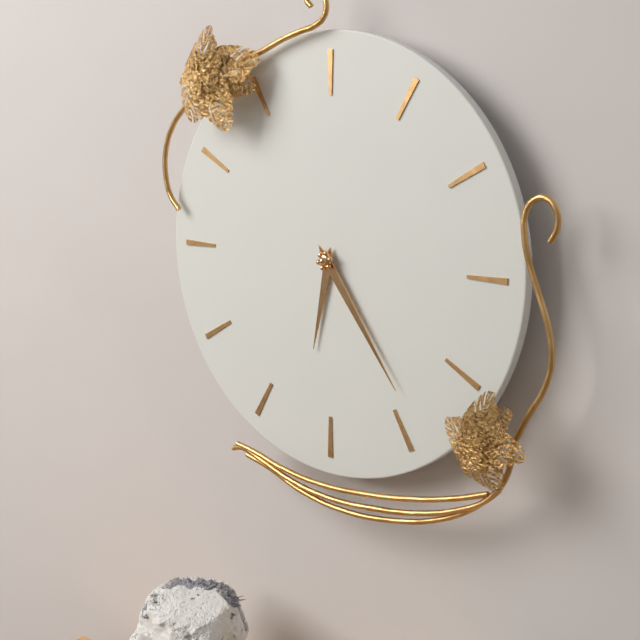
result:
6,24
